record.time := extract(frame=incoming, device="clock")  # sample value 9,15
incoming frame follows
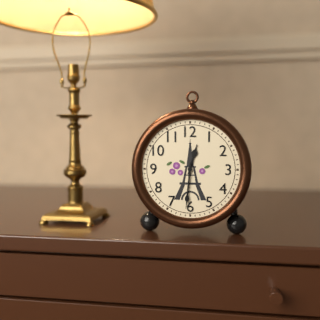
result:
12,31
